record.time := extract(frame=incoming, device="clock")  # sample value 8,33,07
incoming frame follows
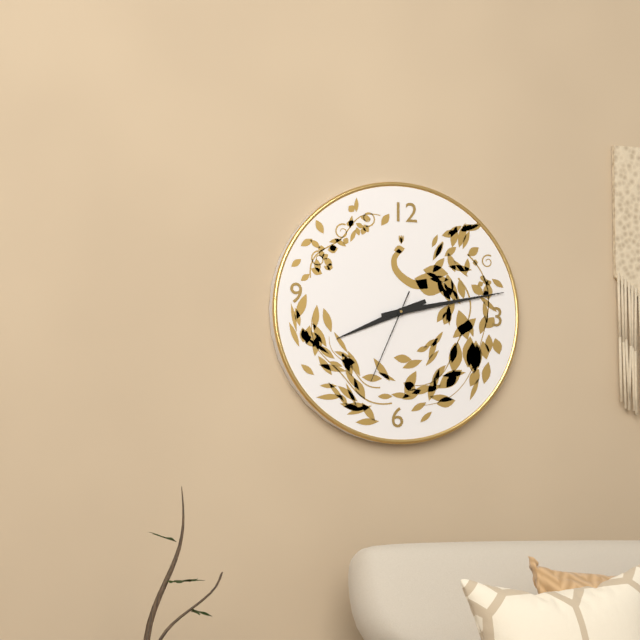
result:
8,13,34
